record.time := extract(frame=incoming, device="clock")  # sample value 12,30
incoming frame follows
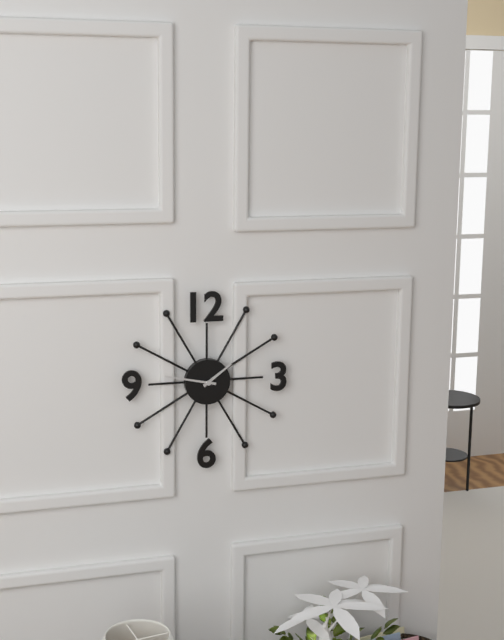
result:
1,47
